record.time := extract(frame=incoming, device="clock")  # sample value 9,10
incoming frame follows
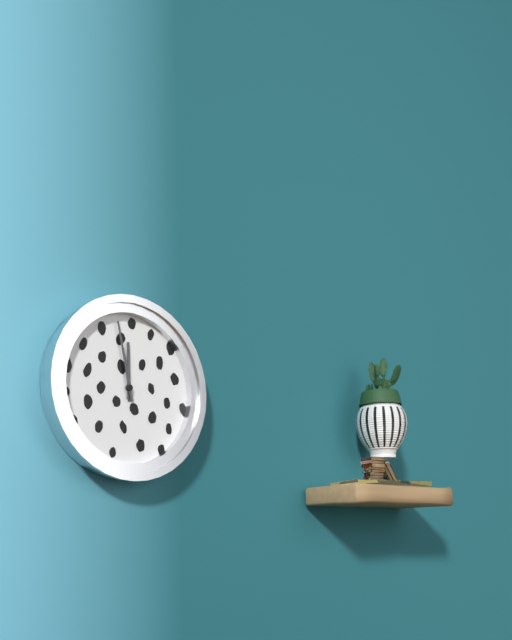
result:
11,58
